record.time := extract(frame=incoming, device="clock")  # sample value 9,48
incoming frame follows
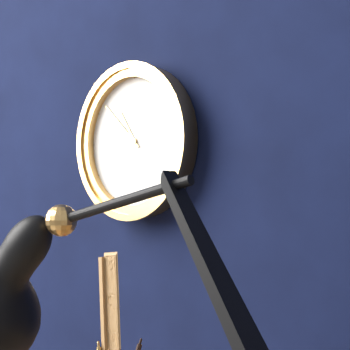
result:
10,52
